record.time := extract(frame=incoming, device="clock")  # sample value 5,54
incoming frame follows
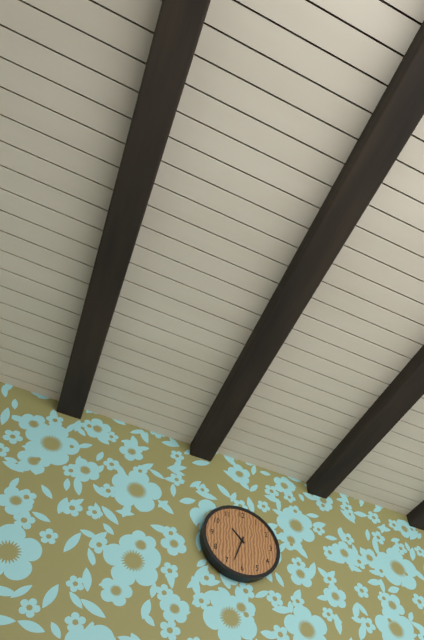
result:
10,33
